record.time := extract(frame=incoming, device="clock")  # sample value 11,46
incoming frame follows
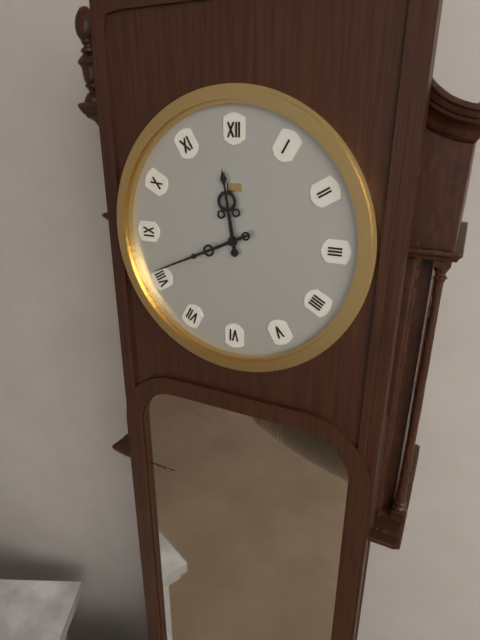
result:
11,41
